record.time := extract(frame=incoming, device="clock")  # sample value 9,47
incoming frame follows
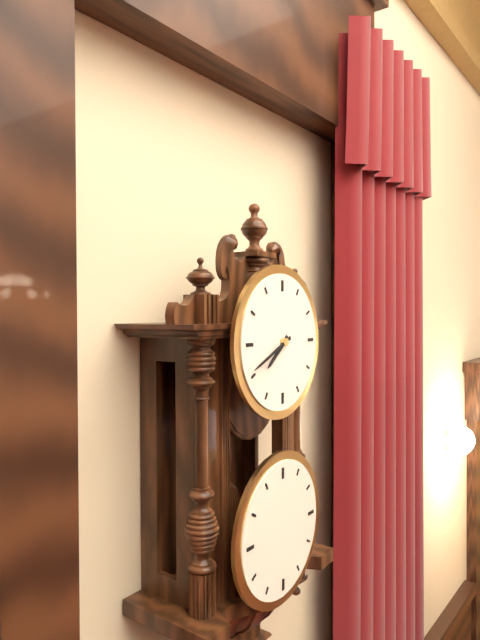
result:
7,41
